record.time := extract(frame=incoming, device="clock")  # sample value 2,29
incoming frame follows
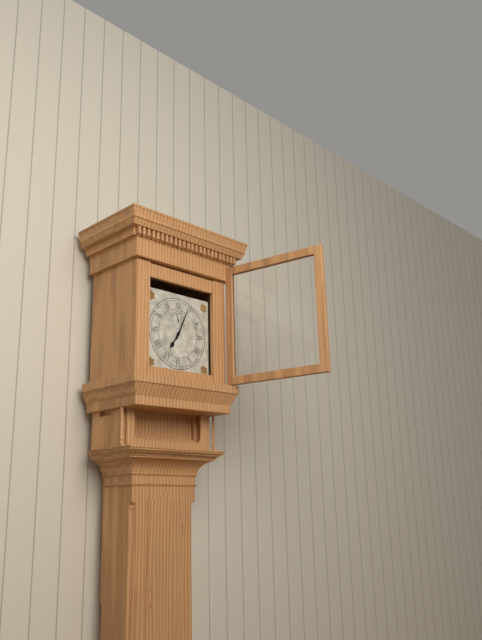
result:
7,04
